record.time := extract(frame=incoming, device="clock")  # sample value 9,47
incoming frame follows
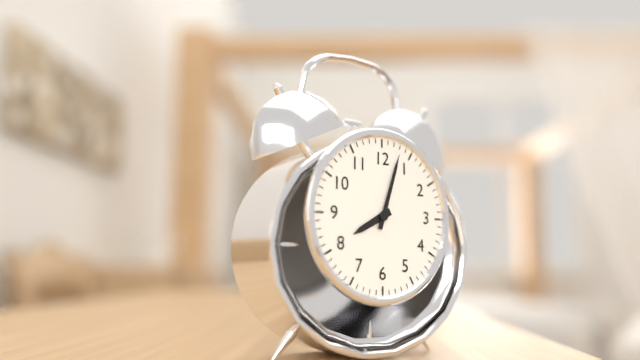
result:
8,03
